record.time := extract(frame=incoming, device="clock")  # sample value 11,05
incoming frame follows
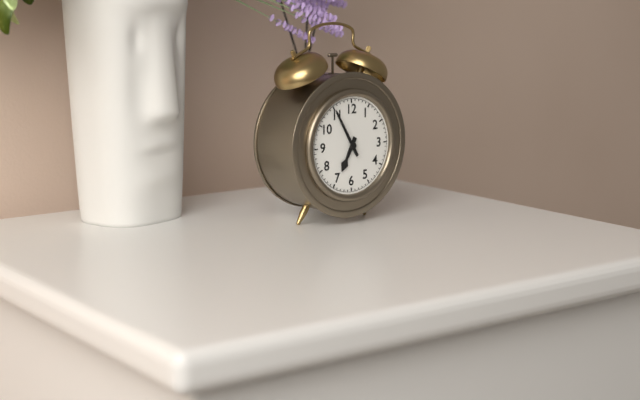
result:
6,55
